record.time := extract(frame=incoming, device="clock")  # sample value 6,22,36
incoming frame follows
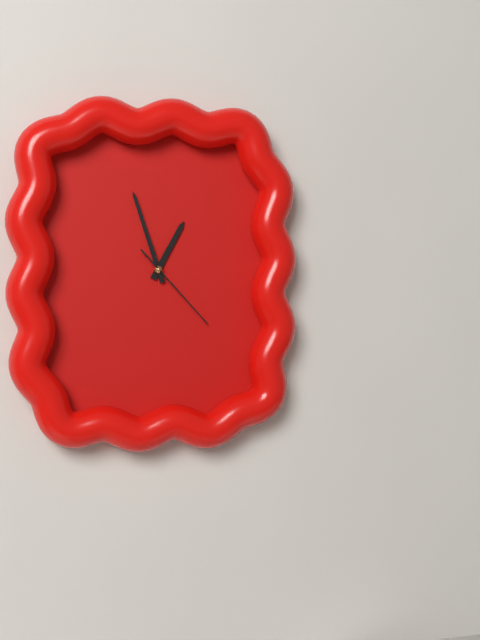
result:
12,57,23
